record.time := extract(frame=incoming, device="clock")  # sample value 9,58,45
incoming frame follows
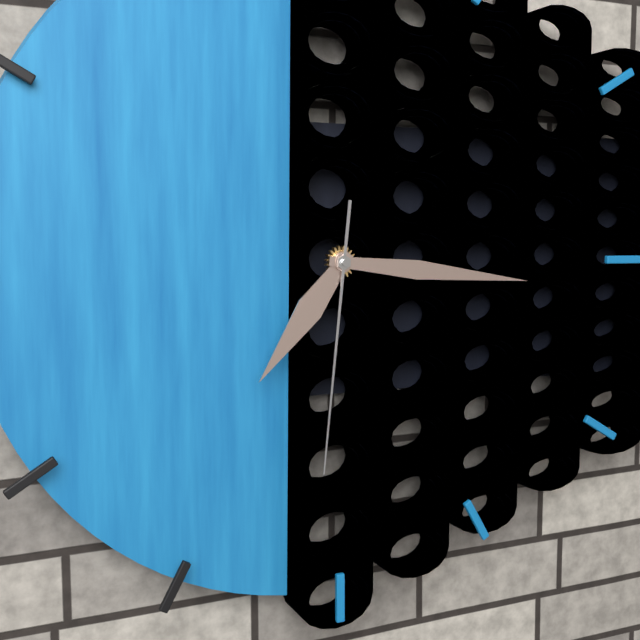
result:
7,16,31
